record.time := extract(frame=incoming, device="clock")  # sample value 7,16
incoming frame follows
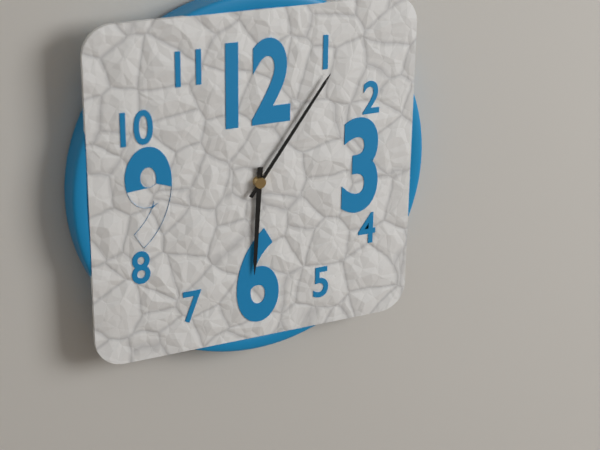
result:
6,06
